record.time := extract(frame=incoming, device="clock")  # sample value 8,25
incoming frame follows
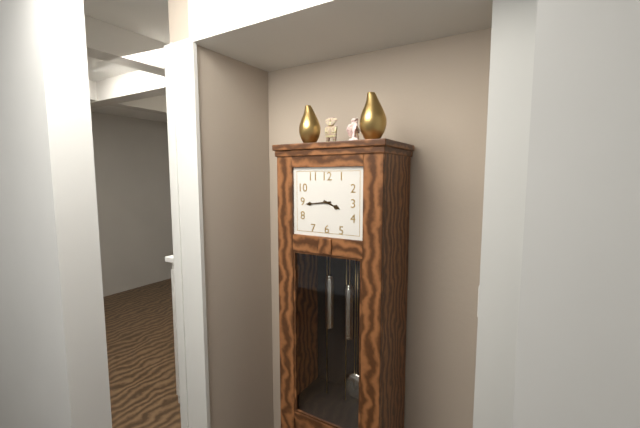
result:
3,44
